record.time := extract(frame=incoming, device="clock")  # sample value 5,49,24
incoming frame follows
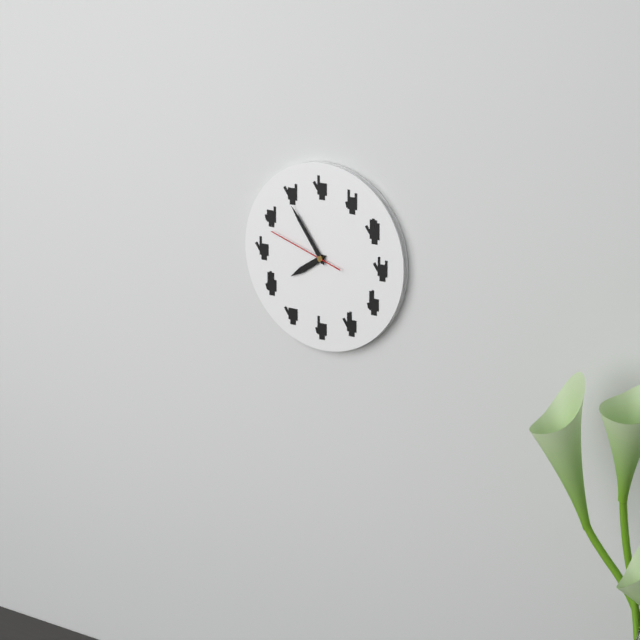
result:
7,54,48
